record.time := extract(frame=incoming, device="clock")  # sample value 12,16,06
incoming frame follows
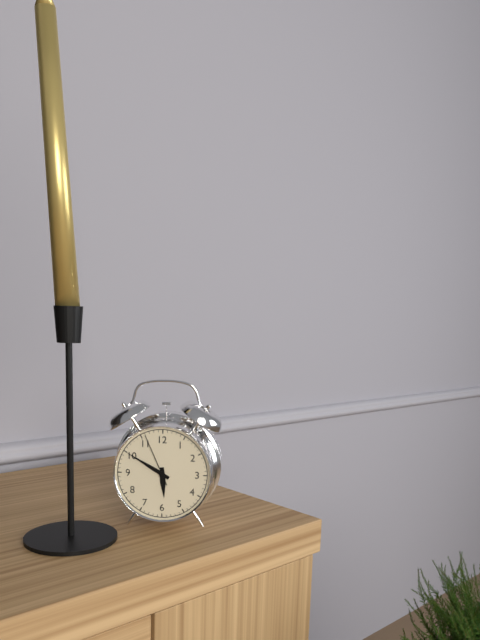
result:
5,50,56
